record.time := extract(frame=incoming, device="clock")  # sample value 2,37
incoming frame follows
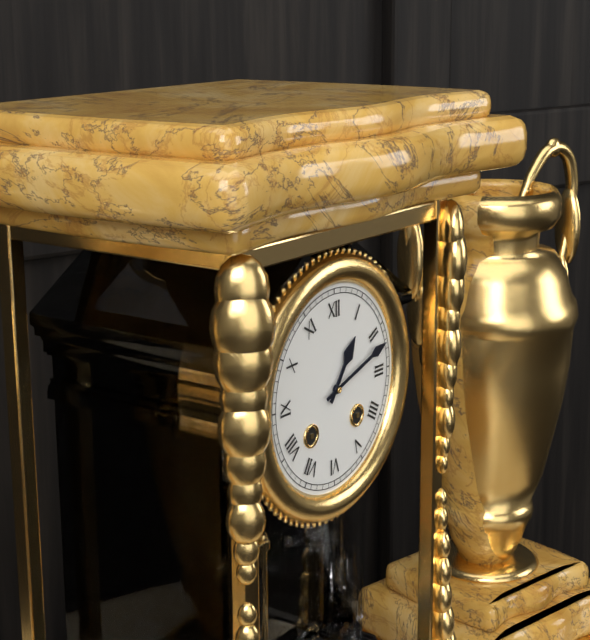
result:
1,12
